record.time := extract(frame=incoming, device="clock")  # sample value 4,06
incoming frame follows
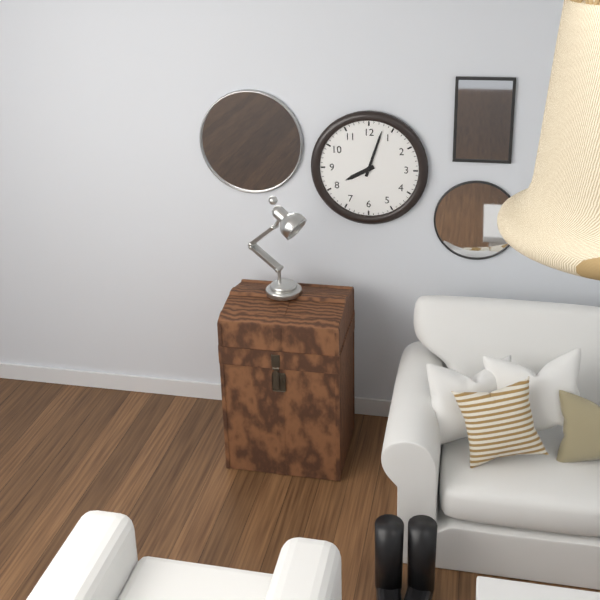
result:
8,03
